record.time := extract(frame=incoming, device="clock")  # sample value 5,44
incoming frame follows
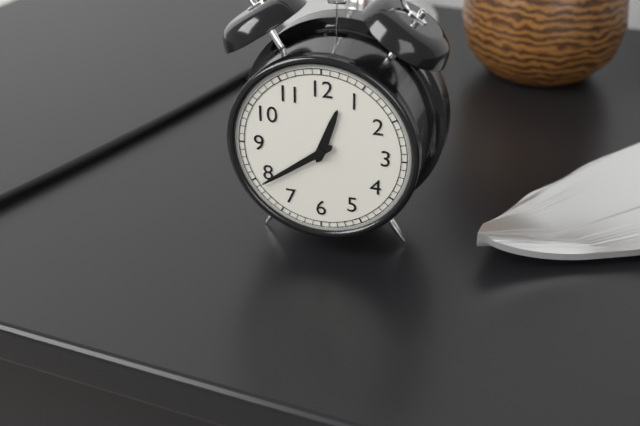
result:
12,39
